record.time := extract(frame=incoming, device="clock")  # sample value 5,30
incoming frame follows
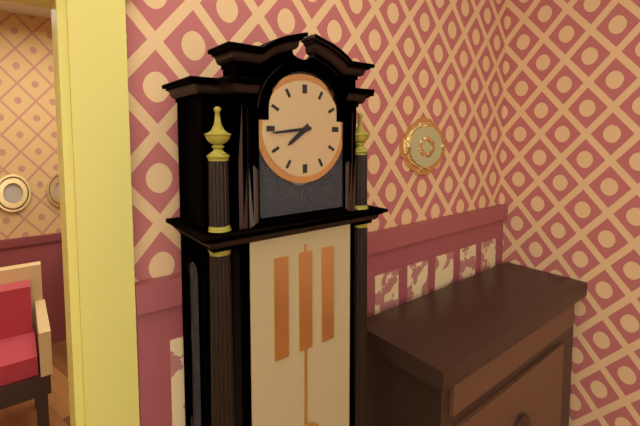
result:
7,44
